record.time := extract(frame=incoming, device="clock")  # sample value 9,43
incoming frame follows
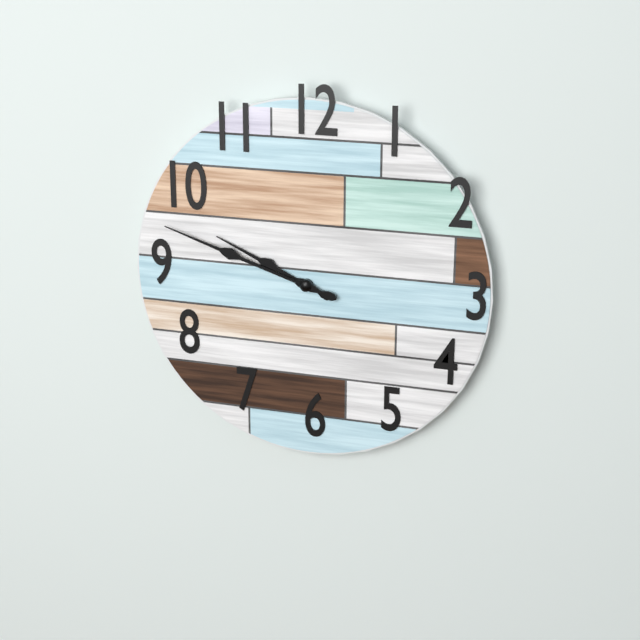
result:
9,48
